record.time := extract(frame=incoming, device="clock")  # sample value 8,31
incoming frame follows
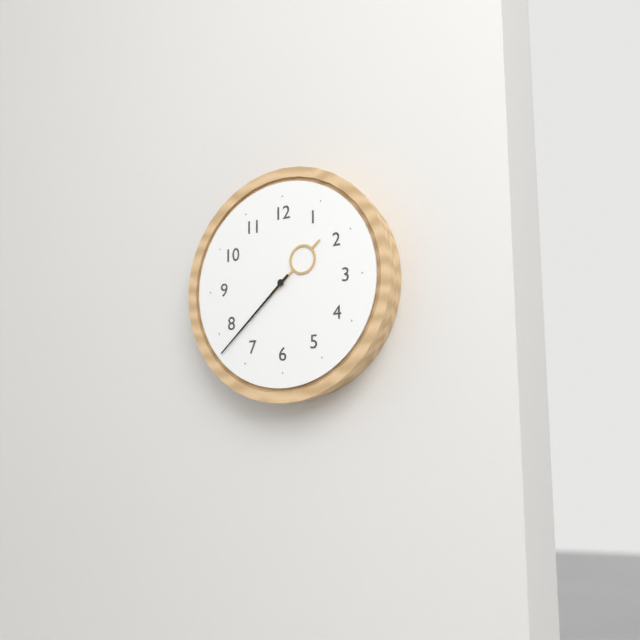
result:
1,38
